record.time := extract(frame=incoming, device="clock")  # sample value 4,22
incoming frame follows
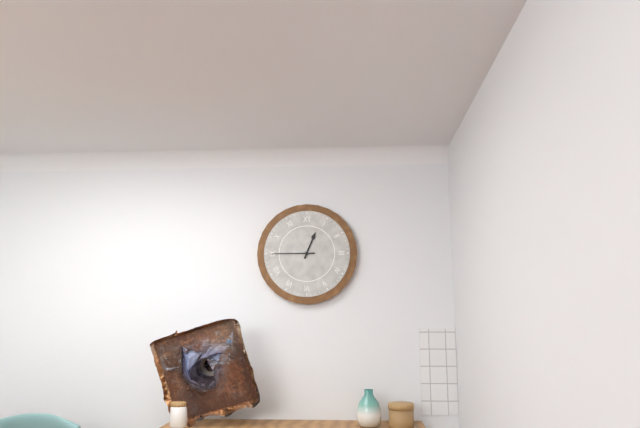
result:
12,45
